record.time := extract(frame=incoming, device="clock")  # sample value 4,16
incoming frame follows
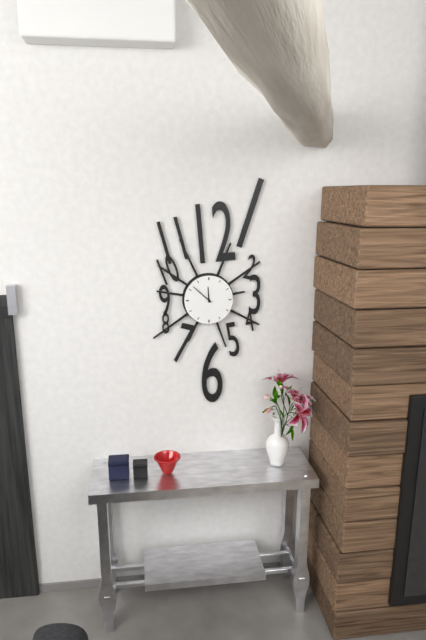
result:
11,52
